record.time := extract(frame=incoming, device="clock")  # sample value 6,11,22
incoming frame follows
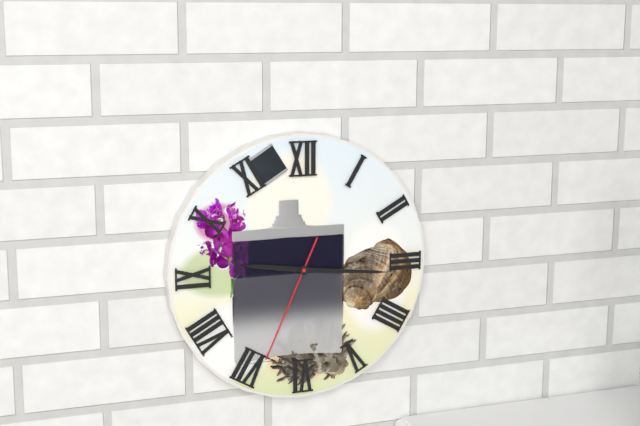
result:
9,16,34
